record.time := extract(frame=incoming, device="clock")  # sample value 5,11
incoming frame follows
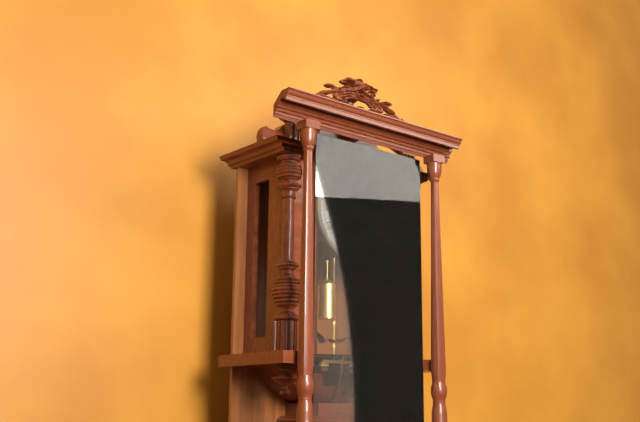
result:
10,29
